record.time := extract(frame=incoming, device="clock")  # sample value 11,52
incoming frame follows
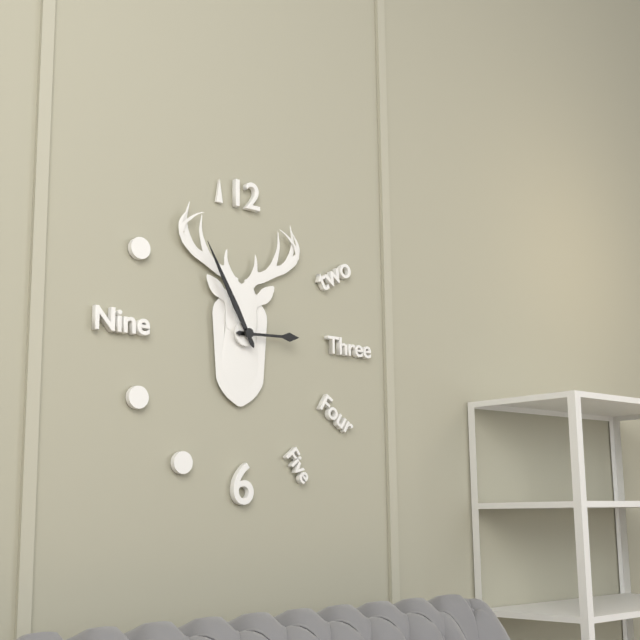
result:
2,55
